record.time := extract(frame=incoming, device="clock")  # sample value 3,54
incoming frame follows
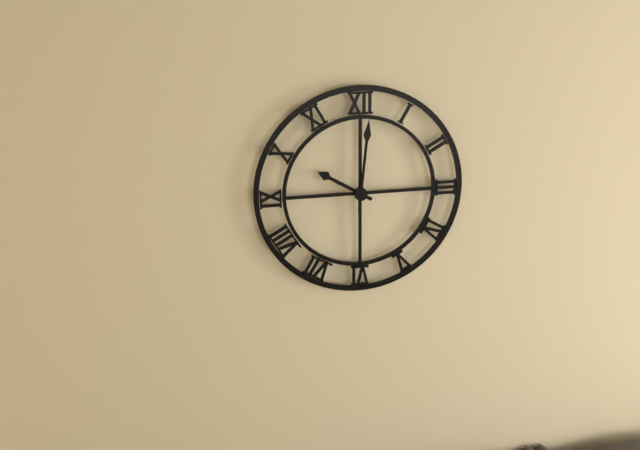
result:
10,01
